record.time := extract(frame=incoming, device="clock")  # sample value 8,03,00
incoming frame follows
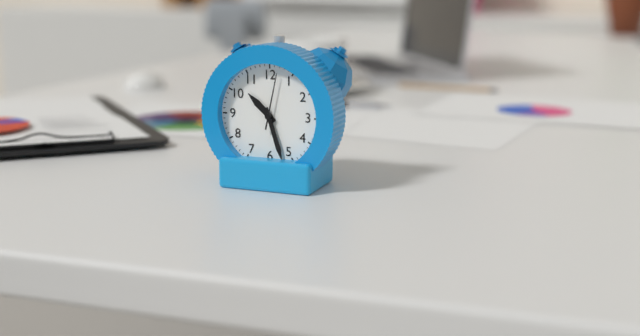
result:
10,27,02
